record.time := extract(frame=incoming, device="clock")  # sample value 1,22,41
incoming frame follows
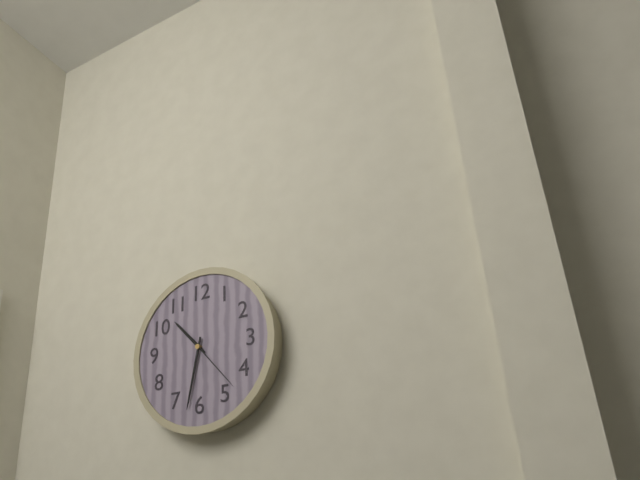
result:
10,32,23
